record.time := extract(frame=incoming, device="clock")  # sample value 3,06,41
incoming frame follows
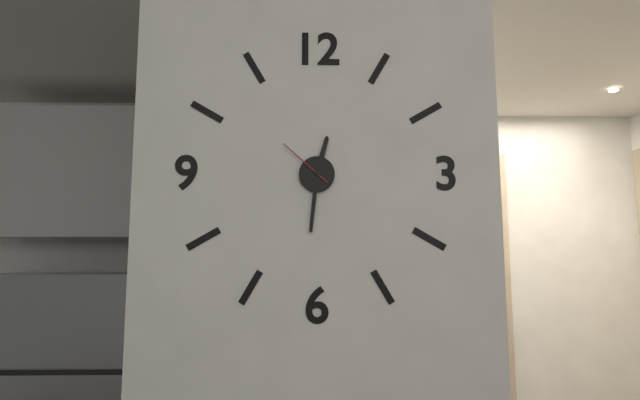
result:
12,31,52
